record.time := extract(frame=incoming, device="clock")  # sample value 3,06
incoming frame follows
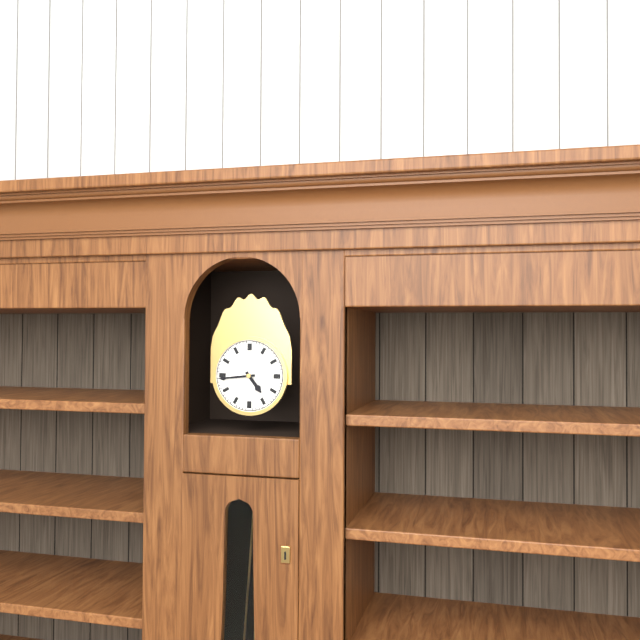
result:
4,44
